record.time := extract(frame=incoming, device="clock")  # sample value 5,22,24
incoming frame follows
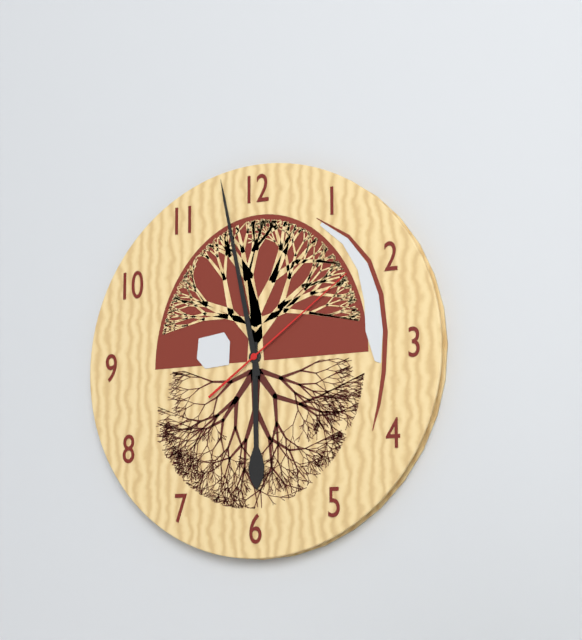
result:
5,58,09
